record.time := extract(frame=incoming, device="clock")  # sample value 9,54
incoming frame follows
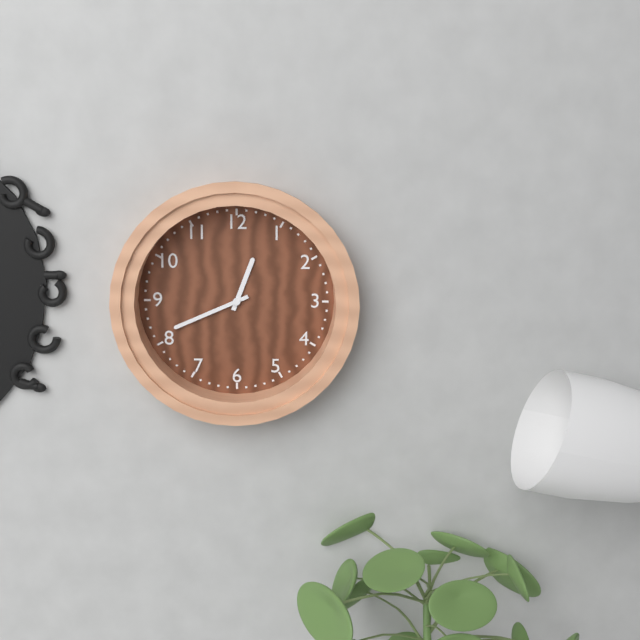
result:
12,41
